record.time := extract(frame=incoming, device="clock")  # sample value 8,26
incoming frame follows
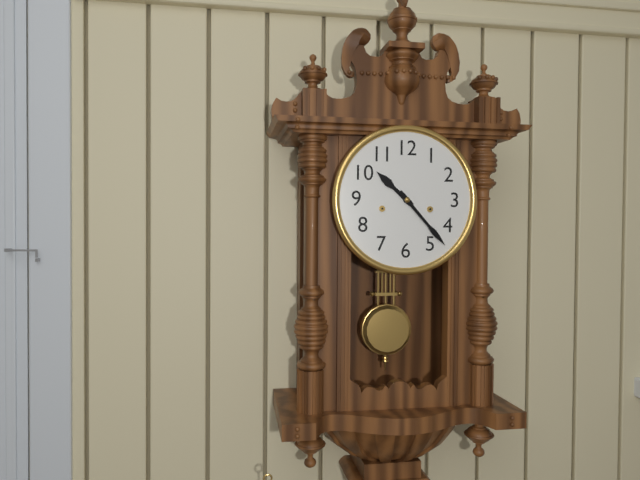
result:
10,23
